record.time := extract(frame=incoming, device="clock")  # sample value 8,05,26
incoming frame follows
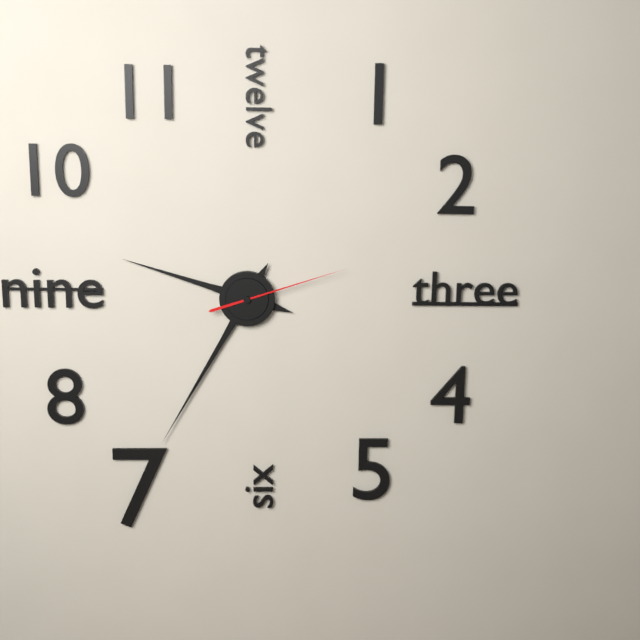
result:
9,35,12
